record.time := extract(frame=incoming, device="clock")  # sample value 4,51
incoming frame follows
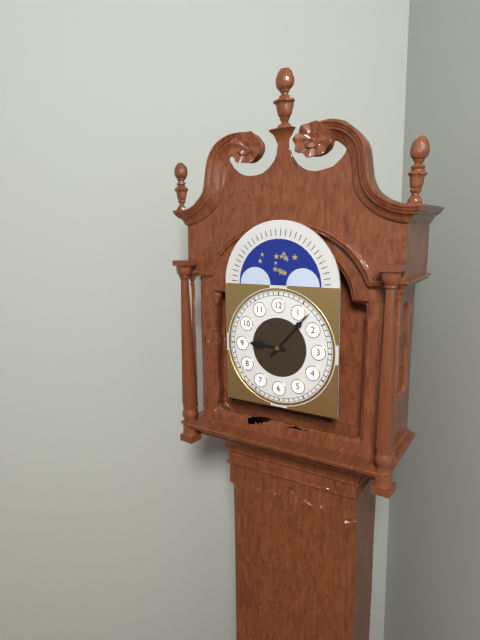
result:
9,07
